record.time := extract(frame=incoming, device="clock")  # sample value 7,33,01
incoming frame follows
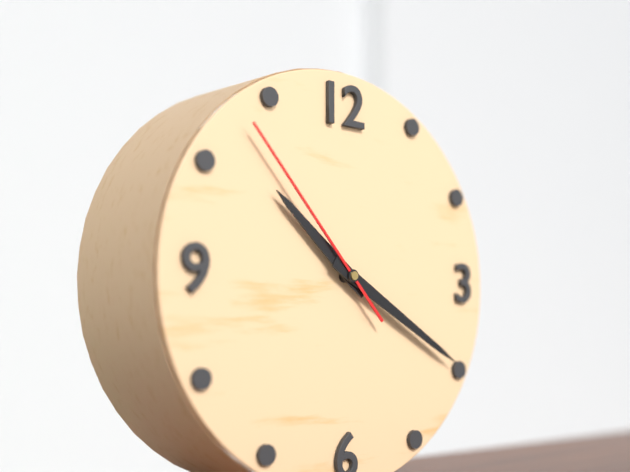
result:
10,20,53
